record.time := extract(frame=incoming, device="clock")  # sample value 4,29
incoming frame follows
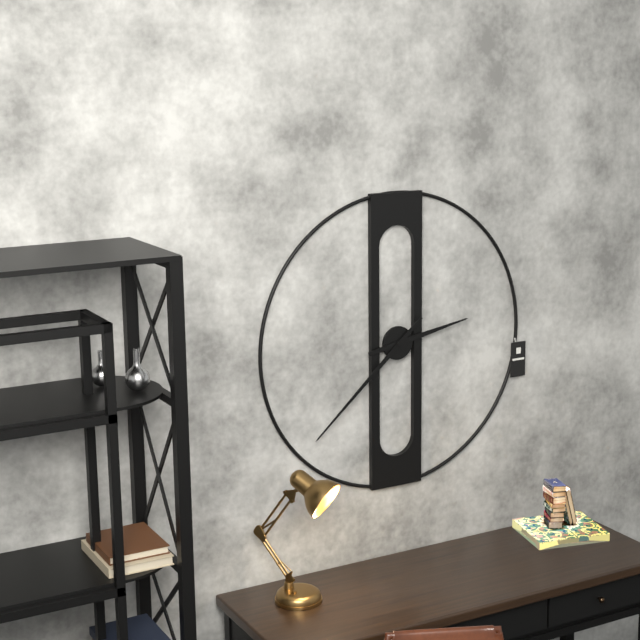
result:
2,38
